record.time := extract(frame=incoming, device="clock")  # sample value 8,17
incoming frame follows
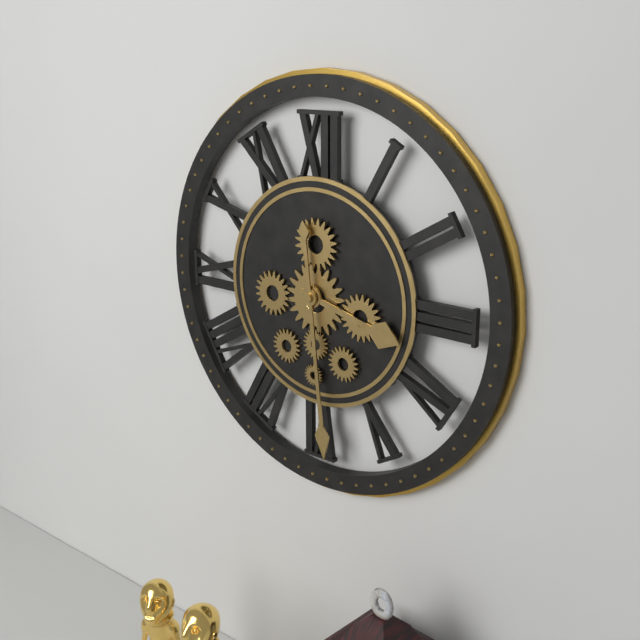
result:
3,29
